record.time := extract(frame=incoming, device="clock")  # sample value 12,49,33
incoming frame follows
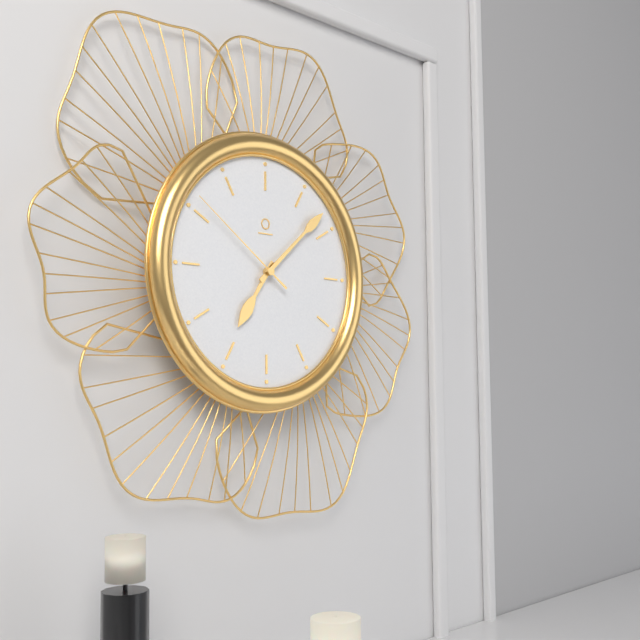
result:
7,08,51
